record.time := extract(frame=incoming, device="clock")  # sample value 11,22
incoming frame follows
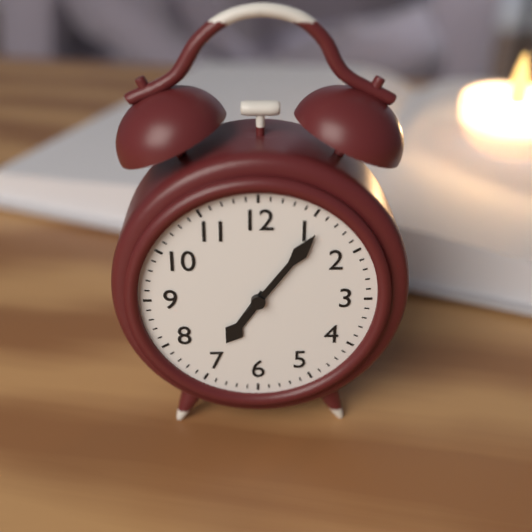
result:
7,06
